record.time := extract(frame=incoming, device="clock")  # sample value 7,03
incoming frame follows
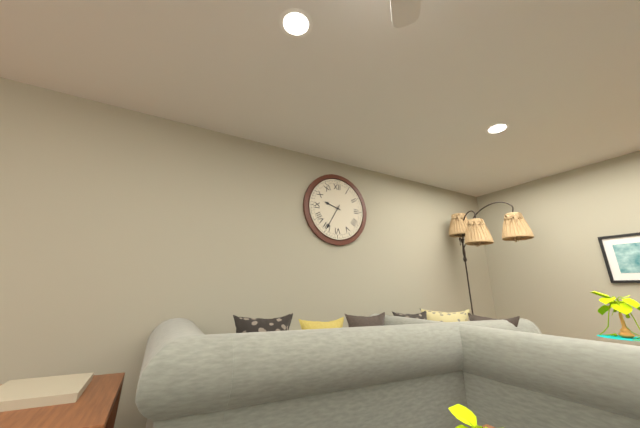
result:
9,35
